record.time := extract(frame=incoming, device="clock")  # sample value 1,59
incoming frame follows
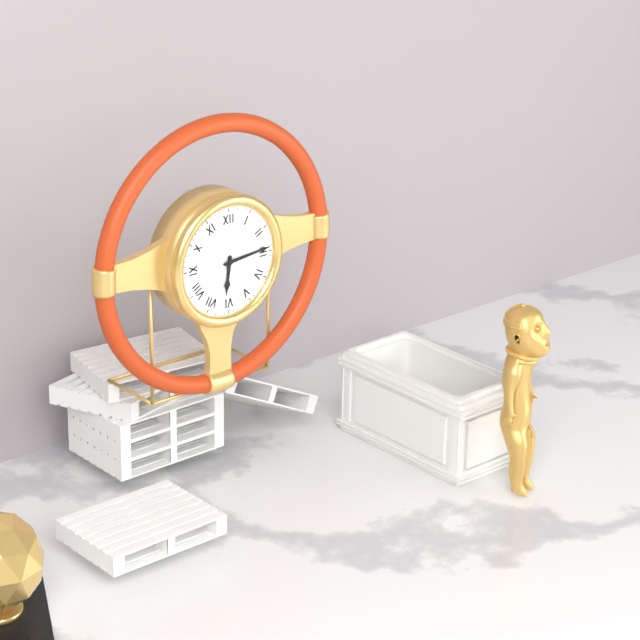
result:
6,14
